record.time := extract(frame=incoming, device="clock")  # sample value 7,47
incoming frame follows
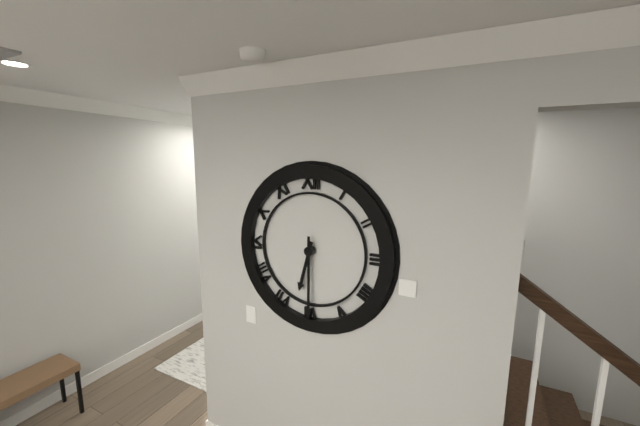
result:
6,30
